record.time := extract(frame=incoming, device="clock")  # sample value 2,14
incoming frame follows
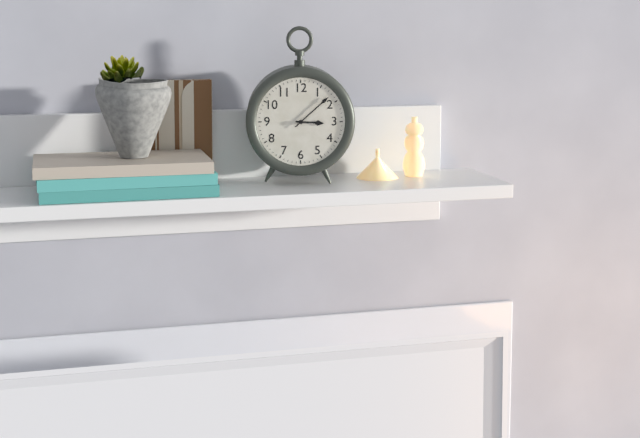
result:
3,08
